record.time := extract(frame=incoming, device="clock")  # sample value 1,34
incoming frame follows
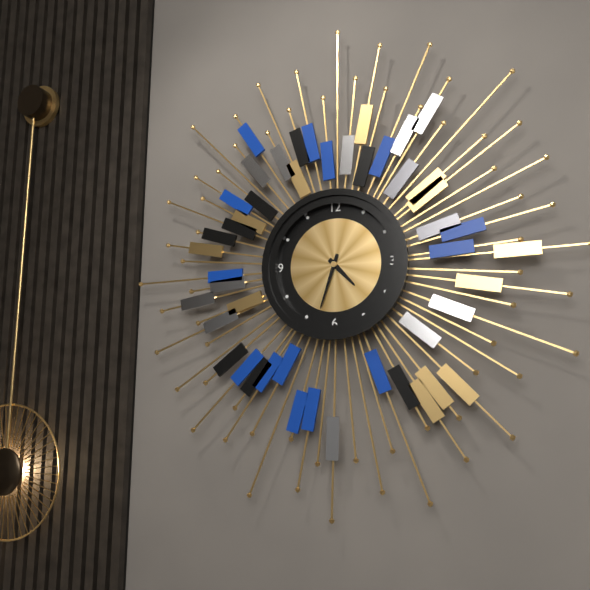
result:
4,33
